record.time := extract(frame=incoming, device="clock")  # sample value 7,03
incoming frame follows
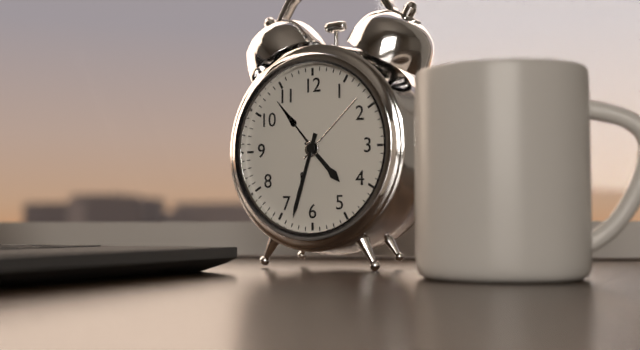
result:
4,33
